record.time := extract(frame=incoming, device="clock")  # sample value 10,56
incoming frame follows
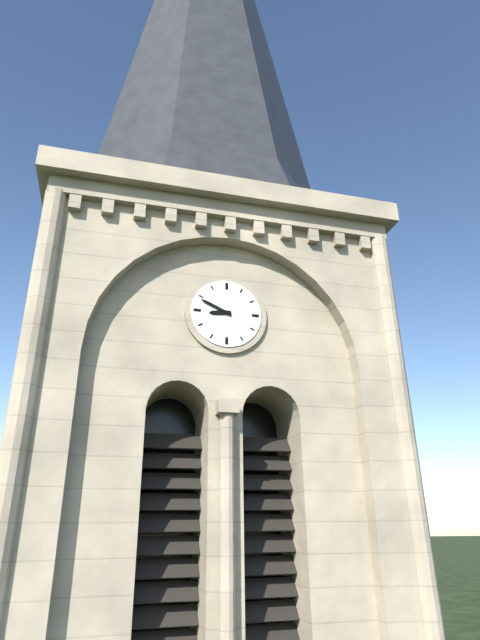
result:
8,49
